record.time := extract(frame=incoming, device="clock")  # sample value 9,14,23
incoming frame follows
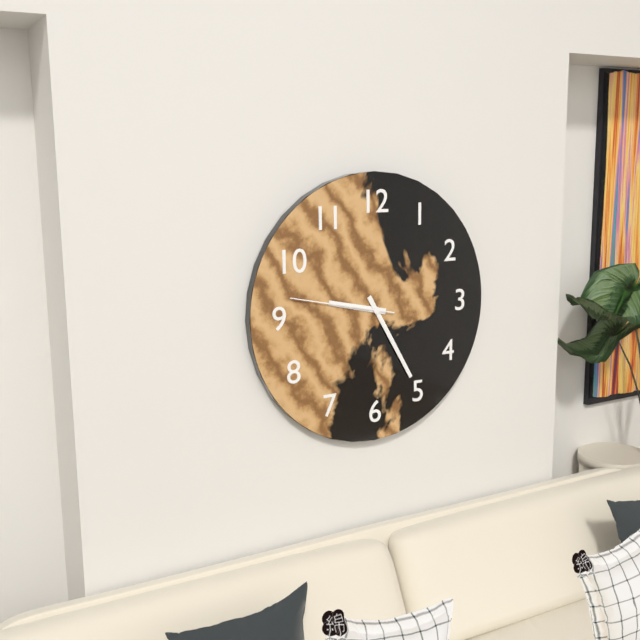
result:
9,25,47
